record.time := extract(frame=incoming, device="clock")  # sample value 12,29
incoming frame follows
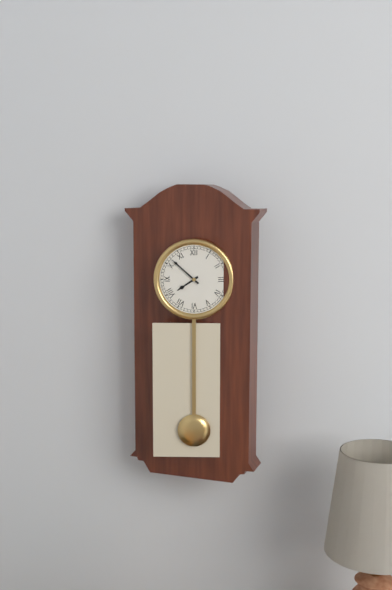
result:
7,52
